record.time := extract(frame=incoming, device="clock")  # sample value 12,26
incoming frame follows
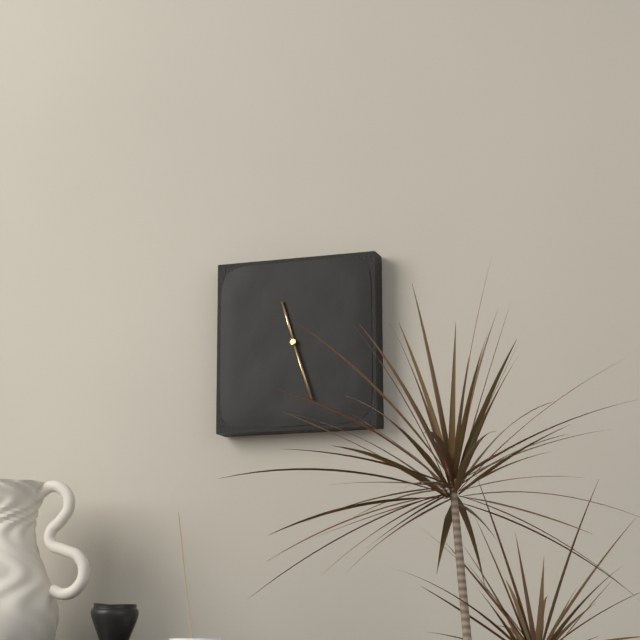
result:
11,27
